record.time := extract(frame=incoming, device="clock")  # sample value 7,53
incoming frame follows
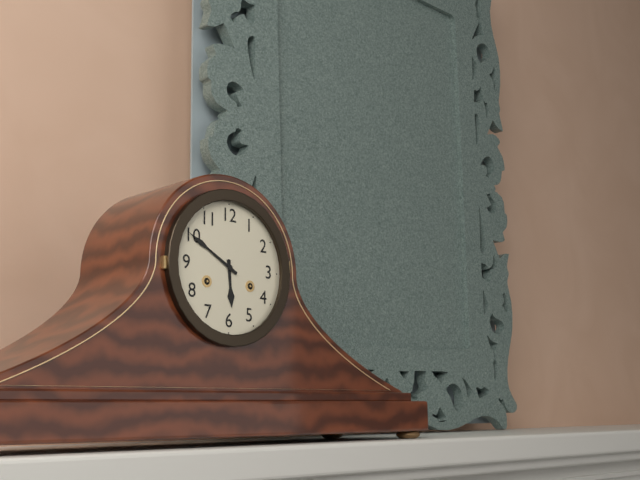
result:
5,50
